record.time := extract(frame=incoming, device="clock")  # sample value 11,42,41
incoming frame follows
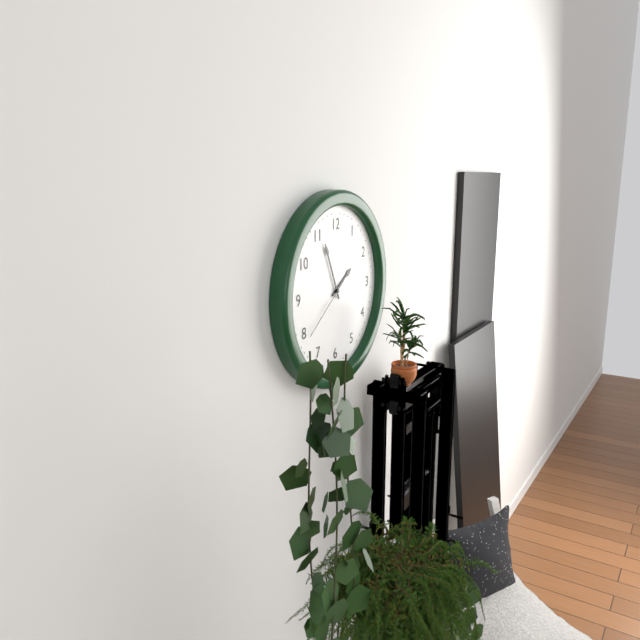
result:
1,56,39
